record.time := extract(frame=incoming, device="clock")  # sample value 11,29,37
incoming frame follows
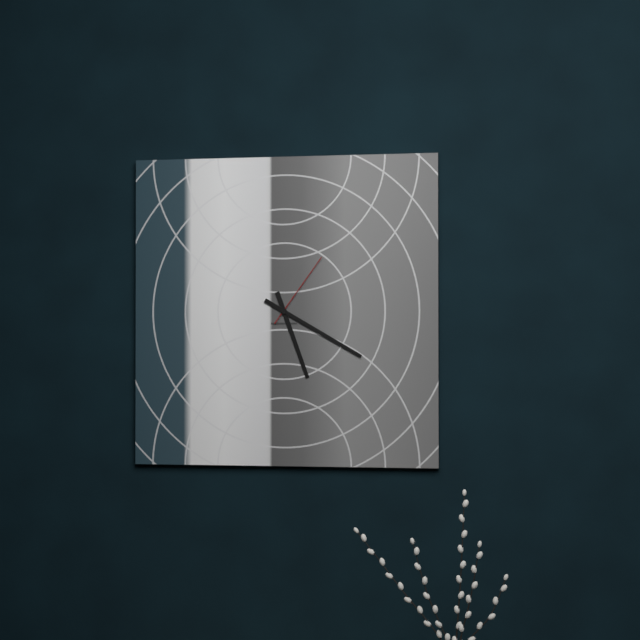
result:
5,20,06
